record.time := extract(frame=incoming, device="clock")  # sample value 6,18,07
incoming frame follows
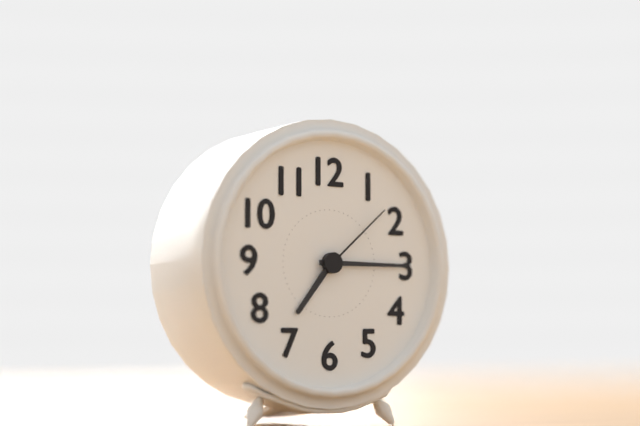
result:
7,15,08
